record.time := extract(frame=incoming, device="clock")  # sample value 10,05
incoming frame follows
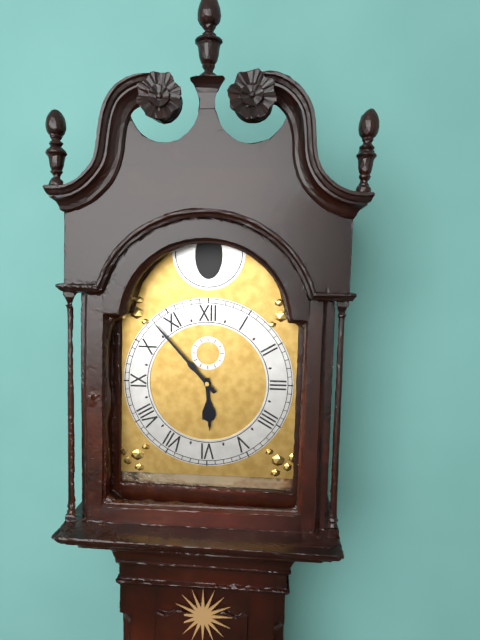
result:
5,53
